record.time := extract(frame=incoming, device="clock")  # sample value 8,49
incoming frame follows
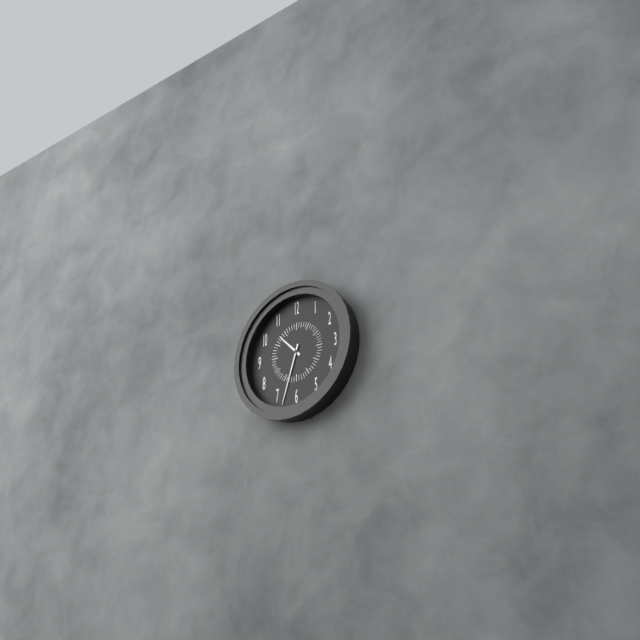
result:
10,33
